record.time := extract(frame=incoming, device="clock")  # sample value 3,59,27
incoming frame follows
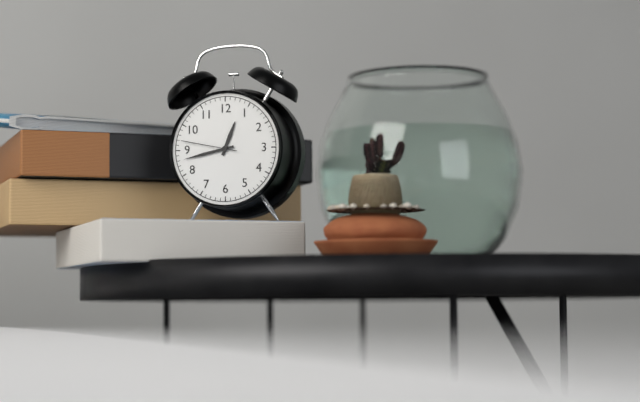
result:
12,43,47
